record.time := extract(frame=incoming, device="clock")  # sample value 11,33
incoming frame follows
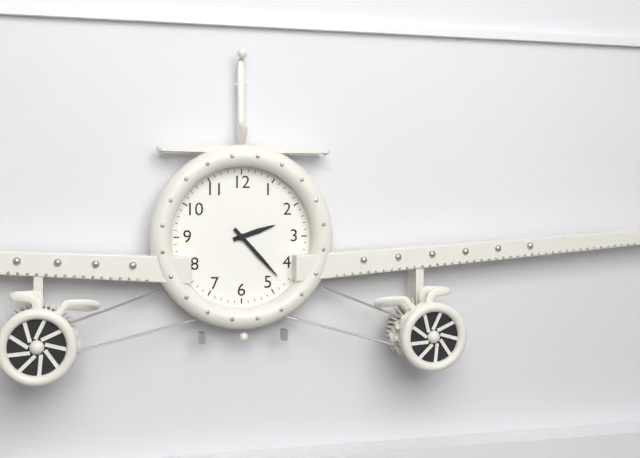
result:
2,23
